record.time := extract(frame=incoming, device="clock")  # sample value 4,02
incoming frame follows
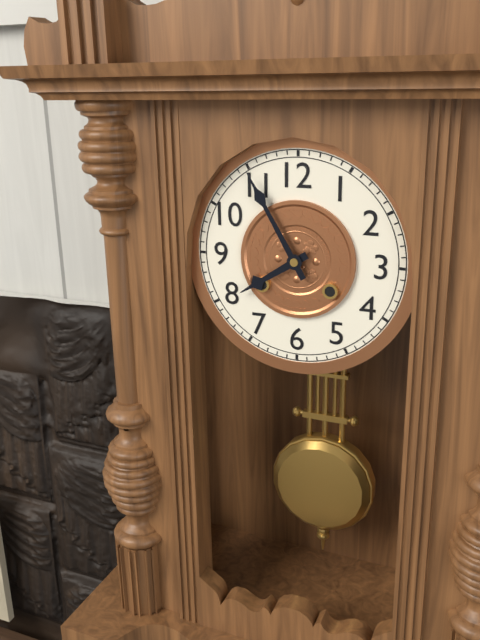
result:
7,55
